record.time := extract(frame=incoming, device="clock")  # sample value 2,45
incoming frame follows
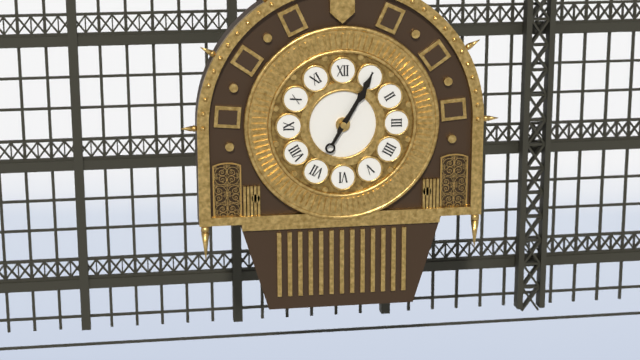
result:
1,05
